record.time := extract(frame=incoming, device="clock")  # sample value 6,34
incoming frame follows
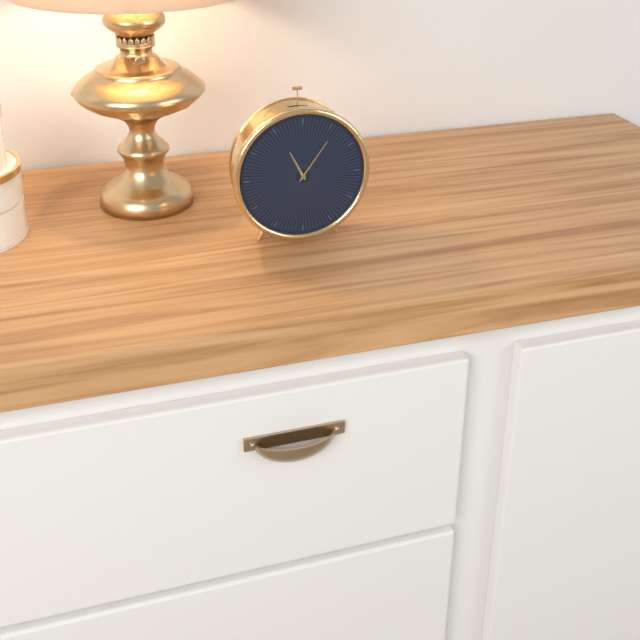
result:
11,06
